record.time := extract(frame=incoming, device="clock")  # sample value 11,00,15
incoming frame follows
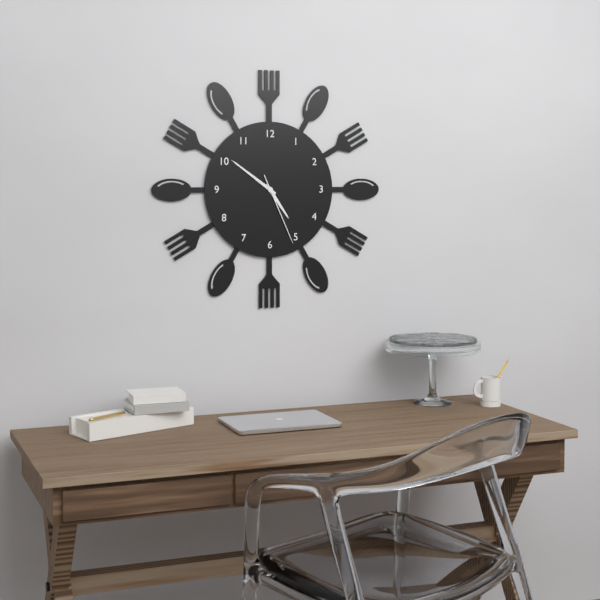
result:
4,51,26
